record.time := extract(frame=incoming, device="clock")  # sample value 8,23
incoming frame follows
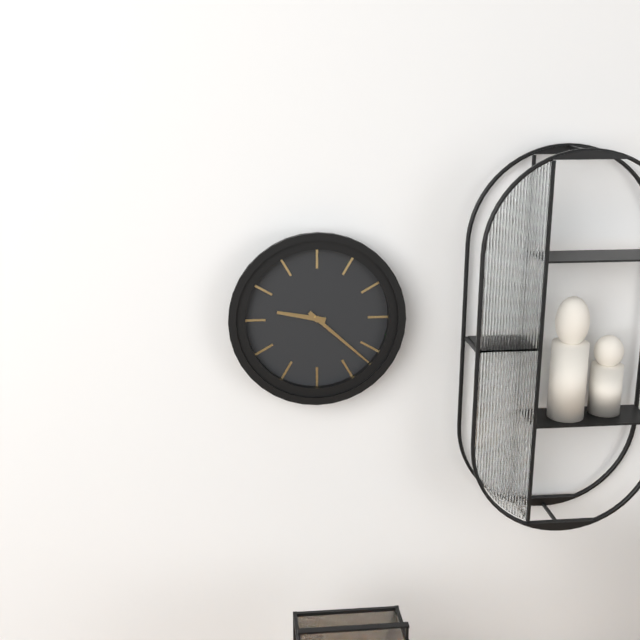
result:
9,22
